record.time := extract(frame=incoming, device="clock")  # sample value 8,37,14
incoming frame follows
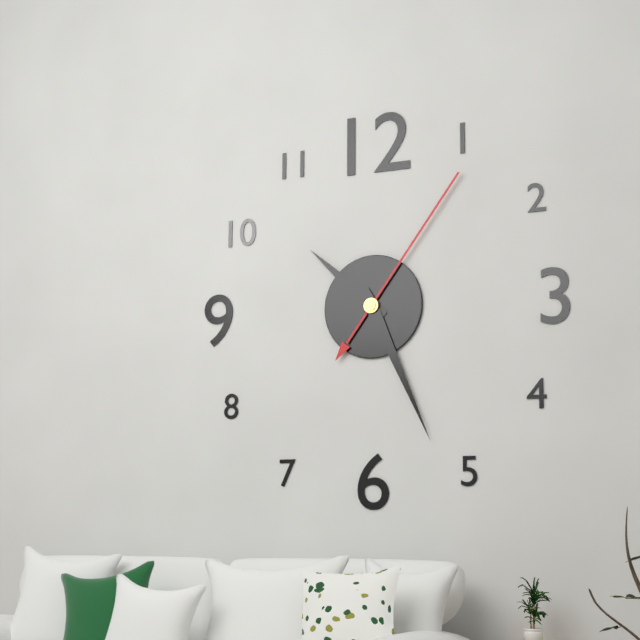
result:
10,26,06
